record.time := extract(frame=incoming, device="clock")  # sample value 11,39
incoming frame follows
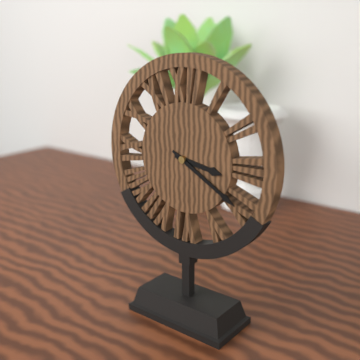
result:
3,20
